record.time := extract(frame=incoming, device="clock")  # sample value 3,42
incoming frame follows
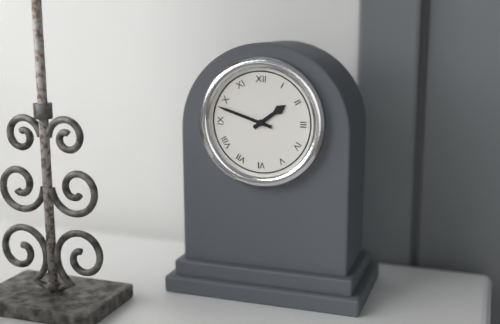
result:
1,48
